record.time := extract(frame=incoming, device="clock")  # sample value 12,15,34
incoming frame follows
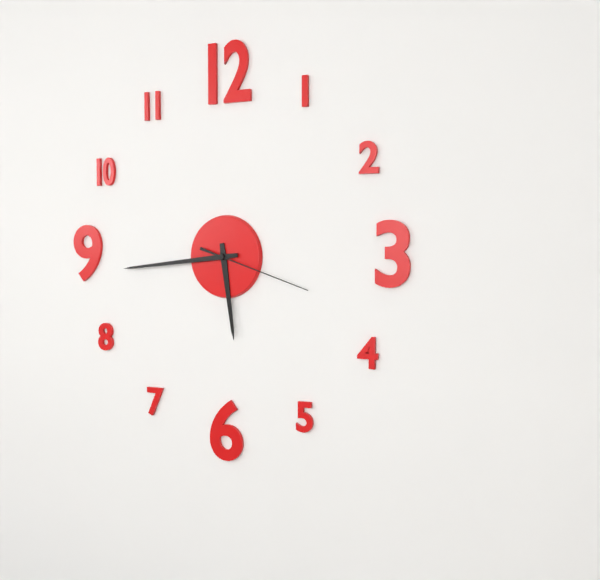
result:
5,44,18
